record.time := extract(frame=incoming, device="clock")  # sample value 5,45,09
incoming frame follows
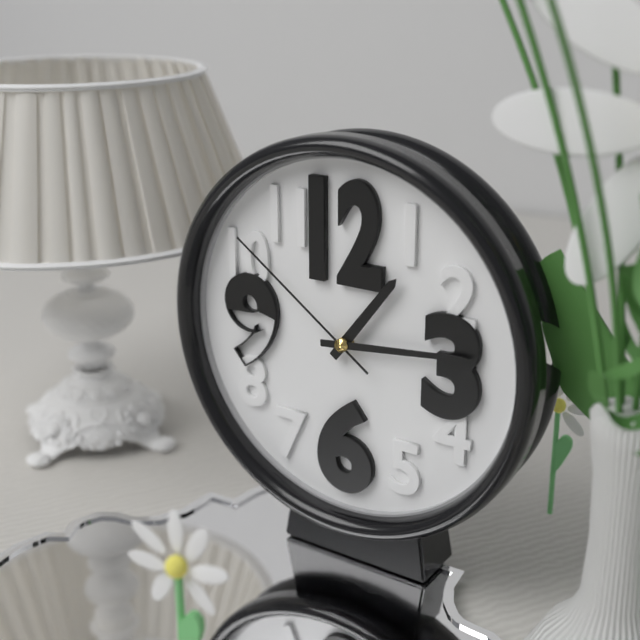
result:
1,14,51
